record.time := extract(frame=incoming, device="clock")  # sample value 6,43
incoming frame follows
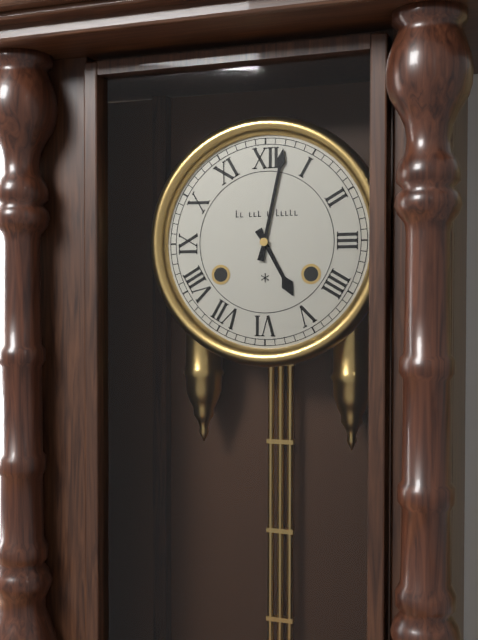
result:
5,02
